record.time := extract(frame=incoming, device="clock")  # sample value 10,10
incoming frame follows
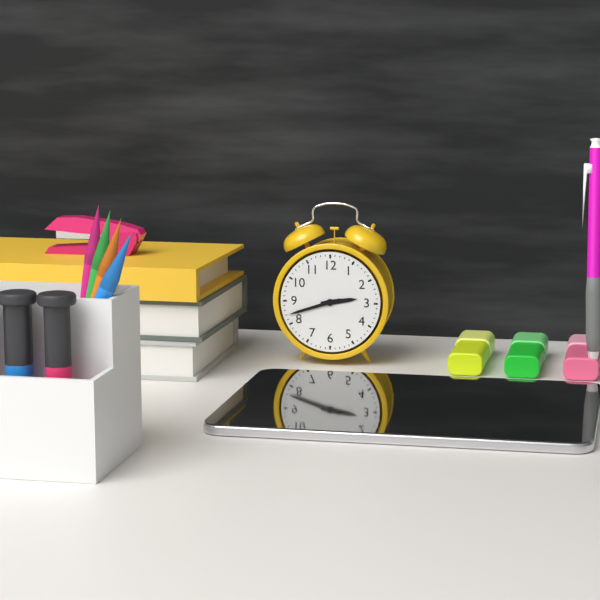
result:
2,42
